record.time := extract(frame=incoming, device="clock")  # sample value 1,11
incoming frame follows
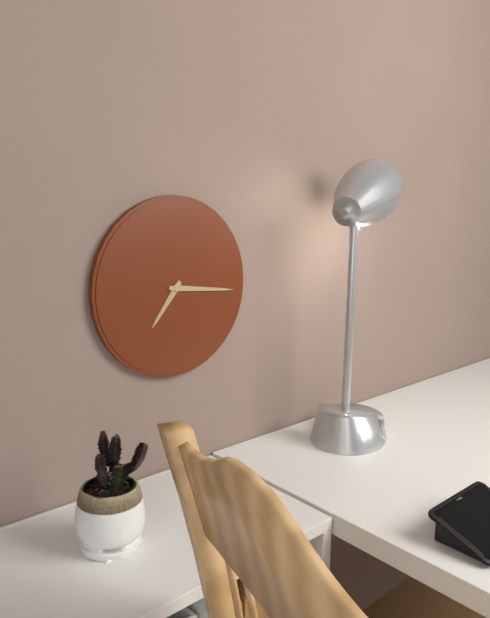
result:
7,16
